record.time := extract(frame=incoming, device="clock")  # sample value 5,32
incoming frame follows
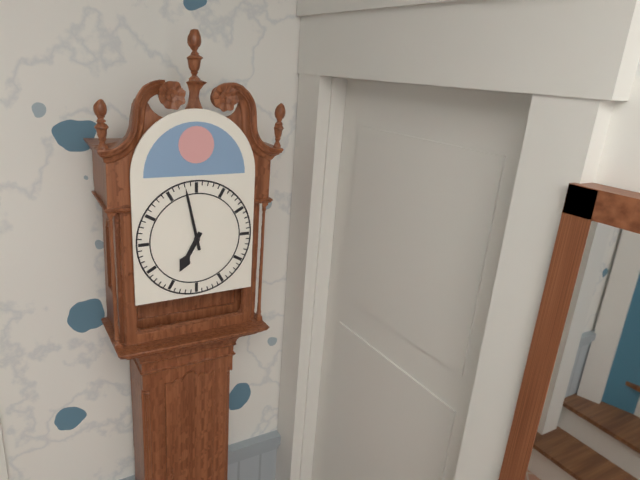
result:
6,58
